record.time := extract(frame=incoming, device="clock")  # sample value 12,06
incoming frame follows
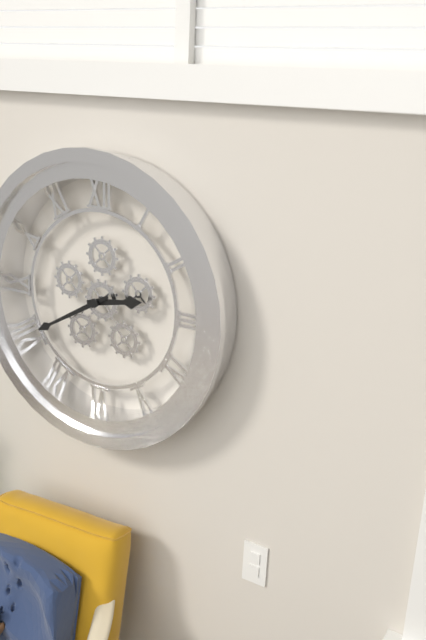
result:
2,40
